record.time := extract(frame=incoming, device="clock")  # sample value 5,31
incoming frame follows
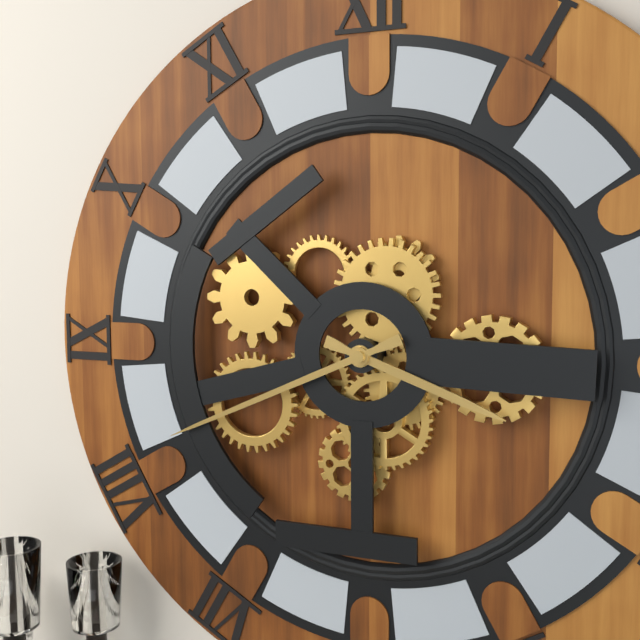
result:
3,41
